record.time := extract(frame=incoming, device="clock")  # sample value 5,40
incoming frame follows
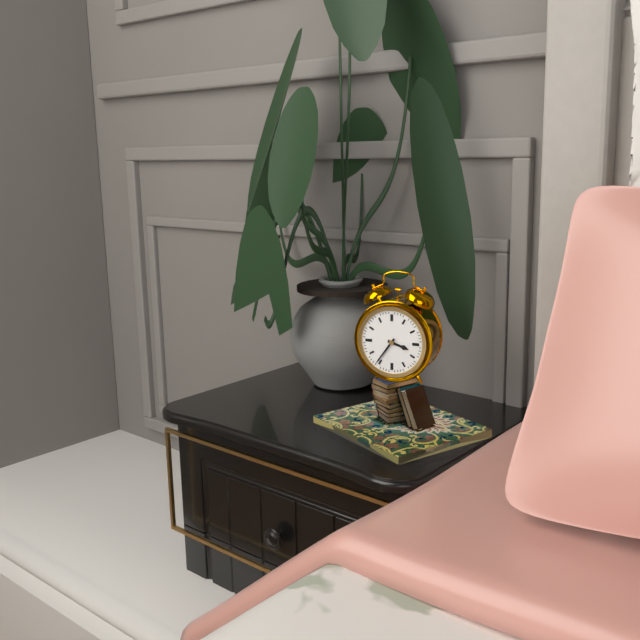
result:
3,36
